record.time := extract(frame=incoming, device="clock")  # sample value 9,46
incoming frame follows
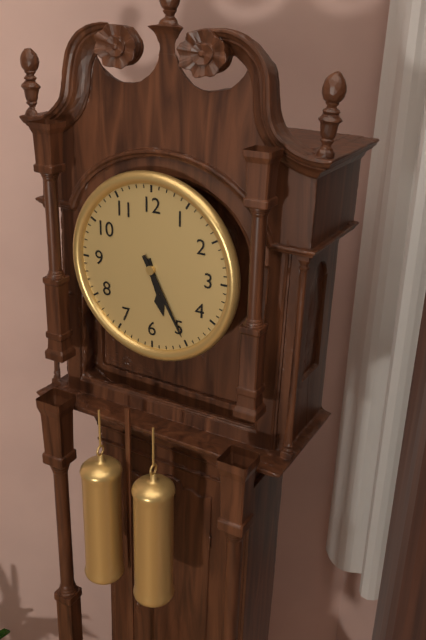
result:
5,25
